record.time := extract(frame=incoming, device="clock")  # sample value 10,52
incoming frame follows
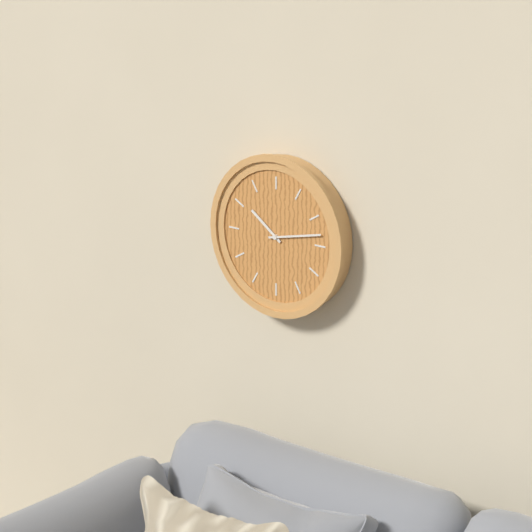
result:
10,13
